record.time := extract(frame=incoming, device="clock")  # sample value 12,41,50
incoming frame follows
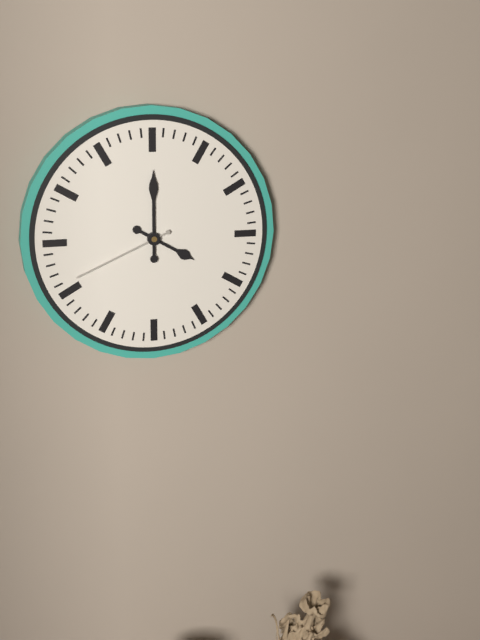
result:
4,00,41
